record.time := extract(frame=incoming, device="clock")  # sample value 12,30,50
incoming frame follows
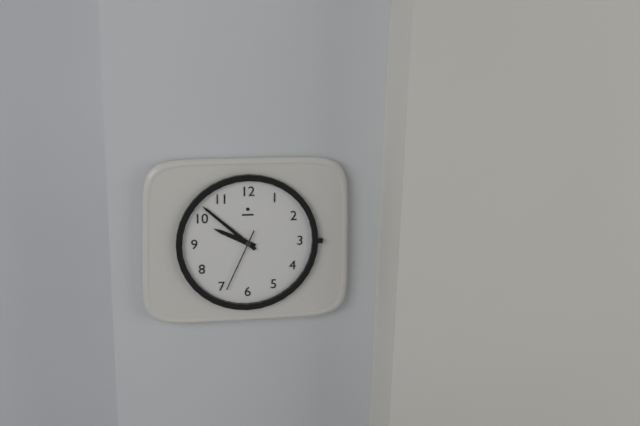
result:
9,52,34
